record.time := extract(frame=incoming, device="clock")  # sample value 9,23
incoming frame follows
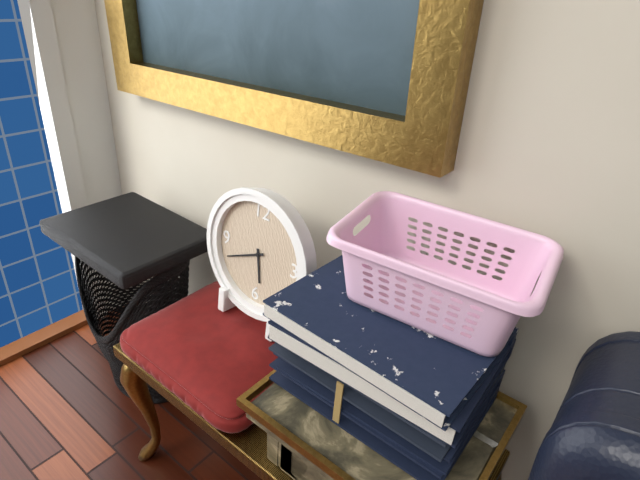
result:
5,41
